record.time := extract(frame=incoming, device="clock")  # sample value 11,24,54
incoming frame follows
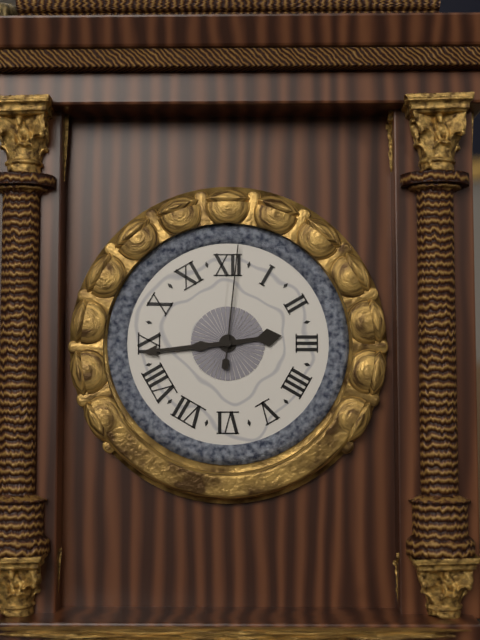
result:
2,44,01
